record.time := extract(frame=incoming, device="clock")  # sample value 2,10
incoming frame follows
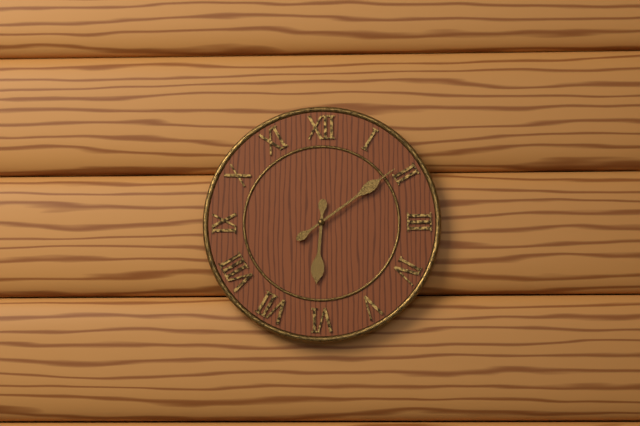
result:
6,09
